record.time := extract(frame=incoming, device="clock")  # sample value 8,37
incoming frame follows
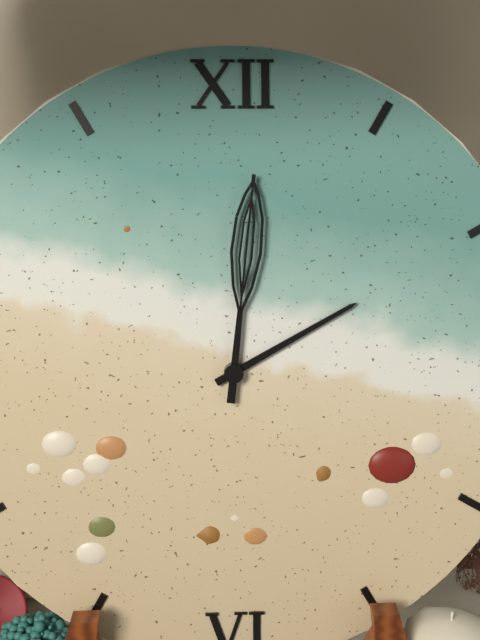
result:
2,01
